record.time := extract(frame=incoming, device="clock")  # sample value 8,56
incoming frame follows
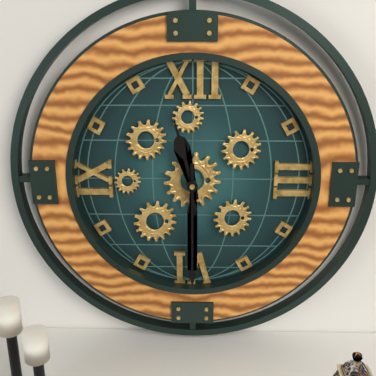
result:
11,30
